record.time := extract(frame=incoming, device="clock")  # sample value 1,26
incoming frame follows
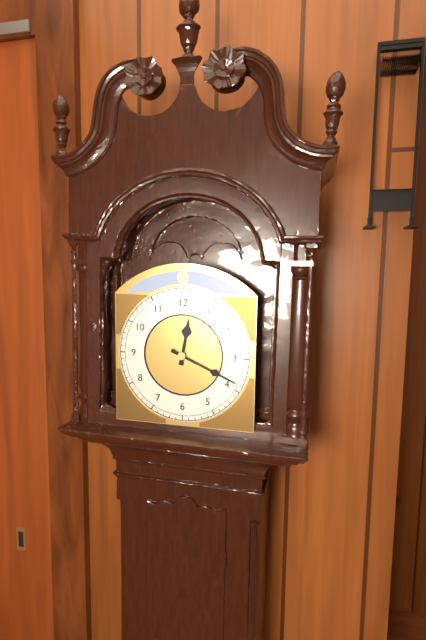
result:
12,19
